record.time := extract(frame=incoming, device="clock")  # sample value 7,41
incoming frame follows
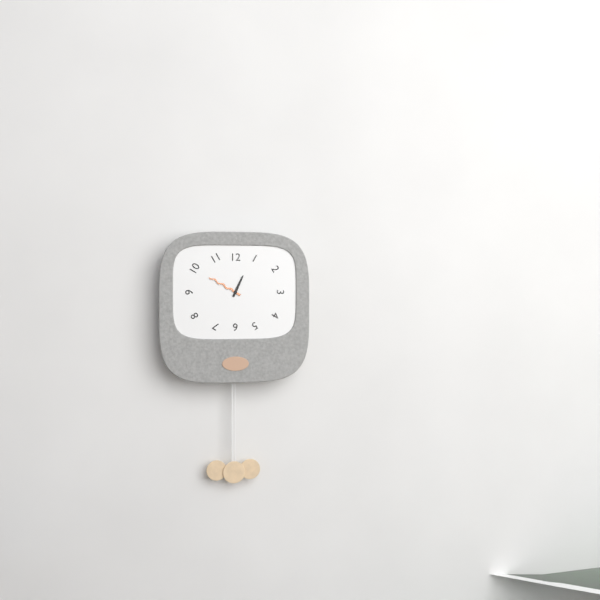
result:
12,50
